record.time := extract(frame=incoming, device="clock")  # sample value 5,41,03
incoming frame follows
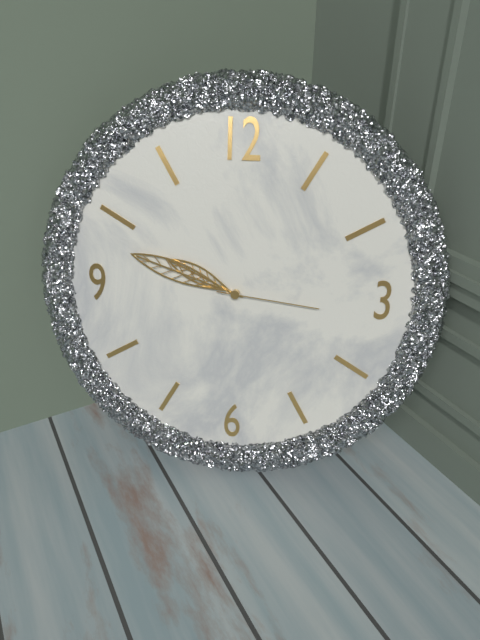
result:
9,48,16
